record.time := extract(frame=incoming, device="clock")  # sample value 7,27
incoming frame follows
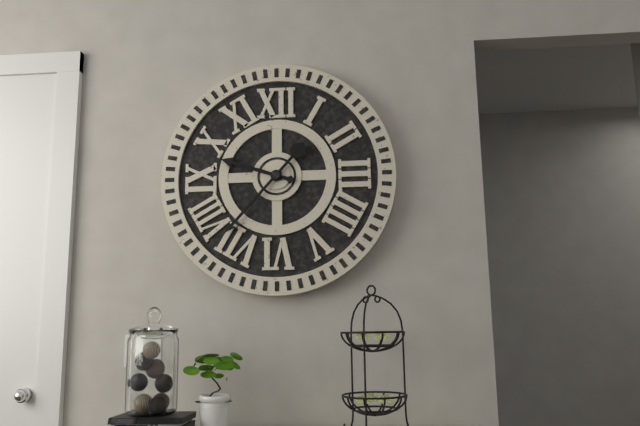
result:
9,37
